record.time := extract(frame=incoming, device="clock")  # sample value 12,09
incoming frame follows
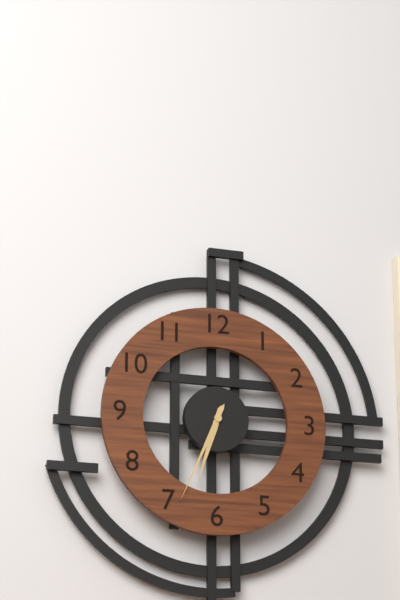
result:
6,34
